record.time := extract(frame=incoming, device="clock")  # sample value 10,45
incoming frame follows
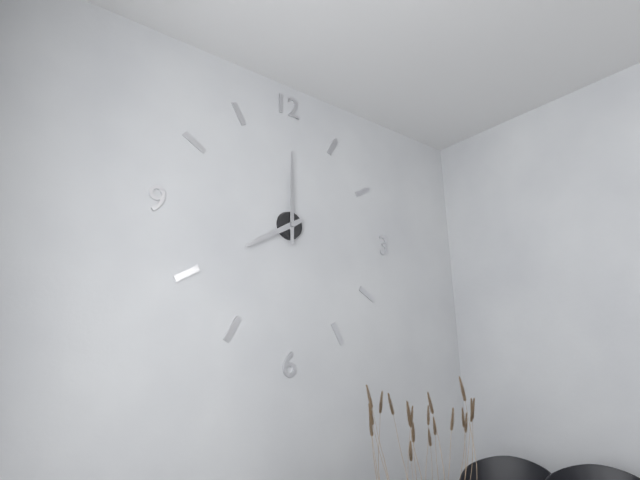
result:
8,00
